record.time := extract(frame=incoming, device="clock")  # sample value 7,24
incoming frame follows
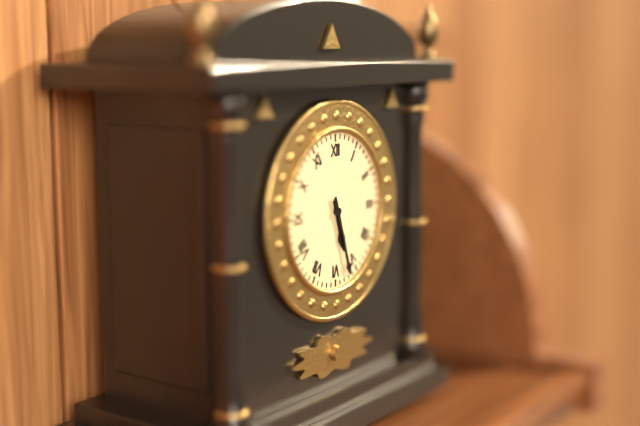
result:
5,27
